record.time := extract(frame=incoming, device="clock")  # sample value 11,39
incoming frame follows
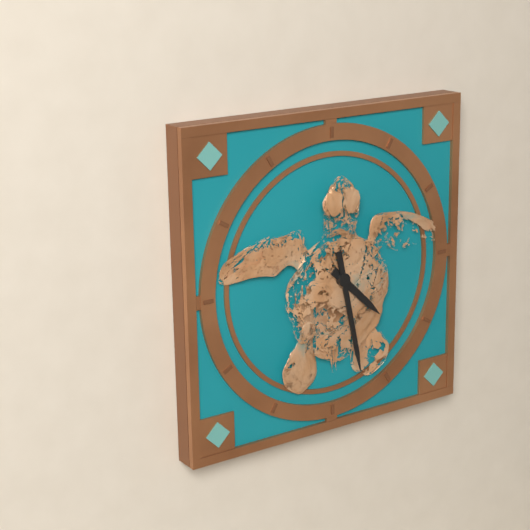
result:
4,28
